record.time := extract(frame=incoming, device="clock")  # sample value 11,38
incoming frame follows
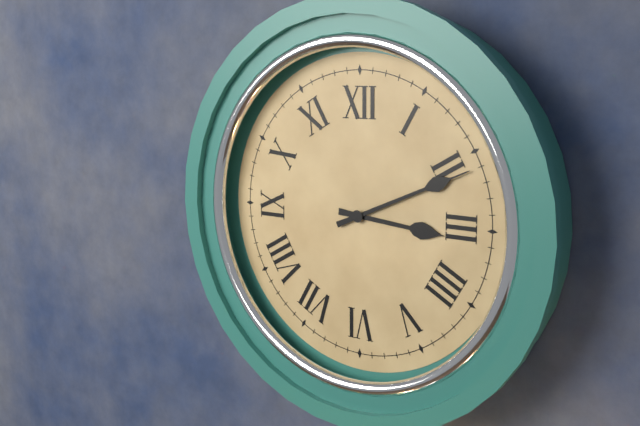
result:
3,11
